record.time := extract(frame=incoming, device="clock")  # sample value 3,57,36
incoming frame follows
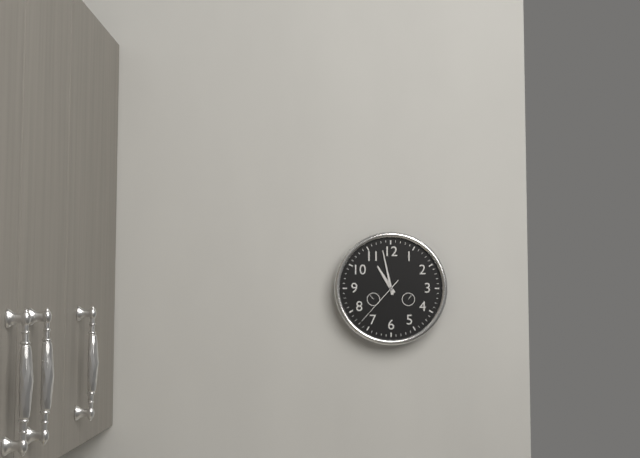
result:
10,58,37
